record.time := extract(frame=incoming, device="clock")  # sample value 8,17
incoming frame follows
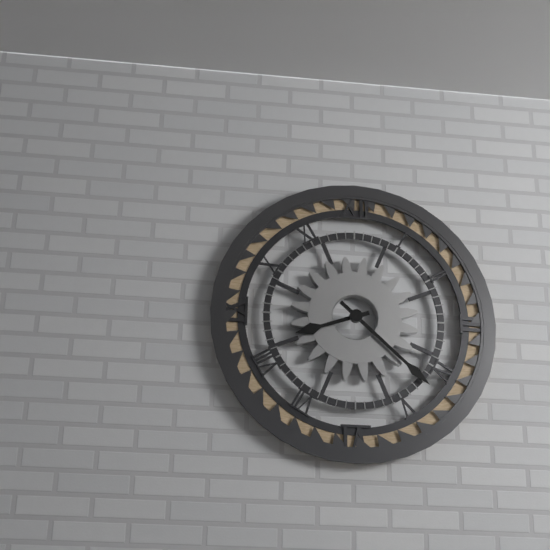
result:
8,22
